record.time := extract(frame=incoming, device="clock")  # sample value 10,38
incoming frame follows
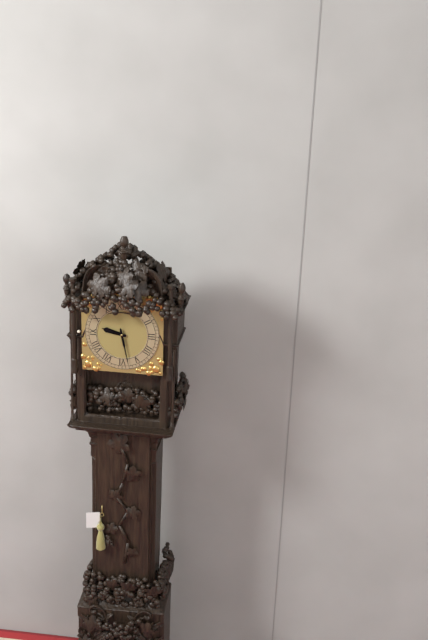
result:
9,28
